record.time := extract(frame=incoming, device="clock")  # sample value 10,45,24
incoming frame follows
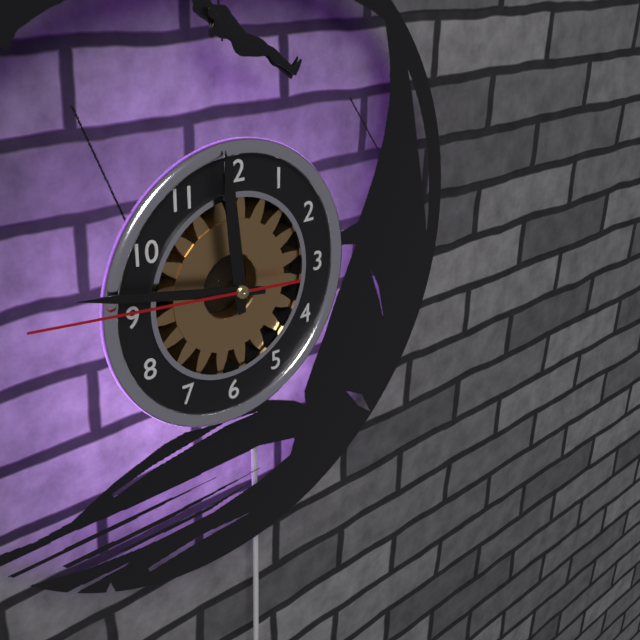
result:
11,47,46
